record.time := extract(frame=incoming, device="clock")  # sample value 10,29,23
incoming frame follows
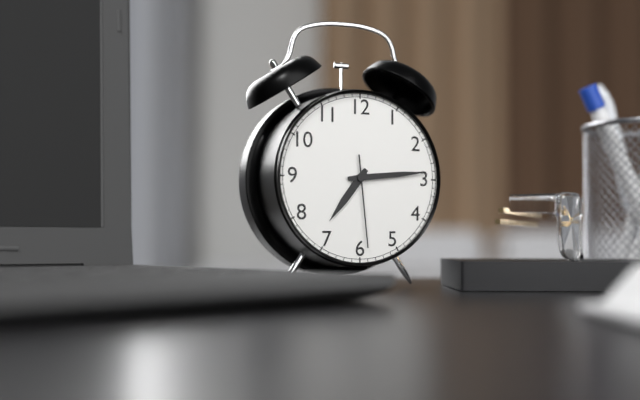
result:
7,14,29
